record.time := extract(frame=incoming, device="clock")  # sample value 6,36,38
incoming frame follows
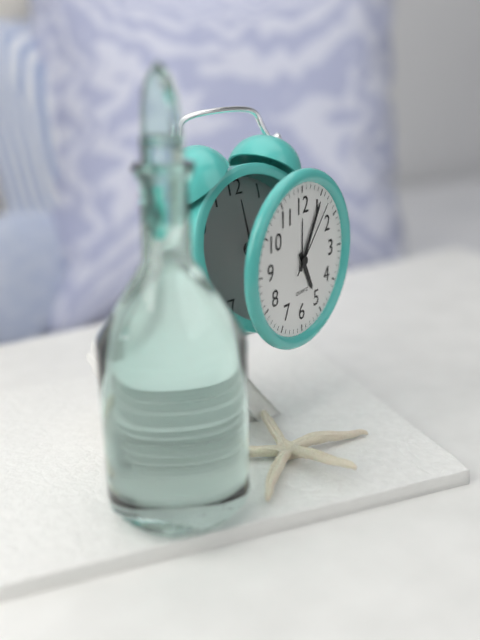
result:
5,05,07
